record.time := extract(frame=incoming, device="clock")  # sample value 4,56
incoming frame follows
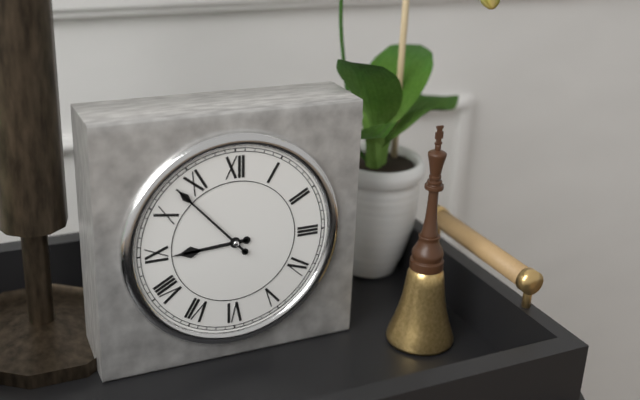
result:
8,53
